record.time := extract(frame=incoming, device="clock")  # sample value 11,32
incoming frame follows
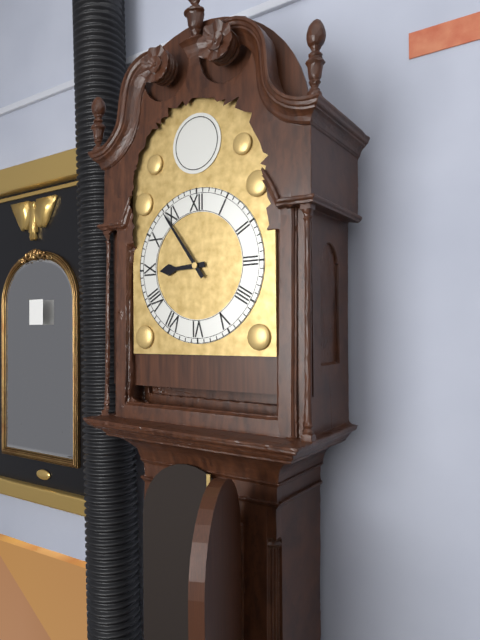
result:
8,54
